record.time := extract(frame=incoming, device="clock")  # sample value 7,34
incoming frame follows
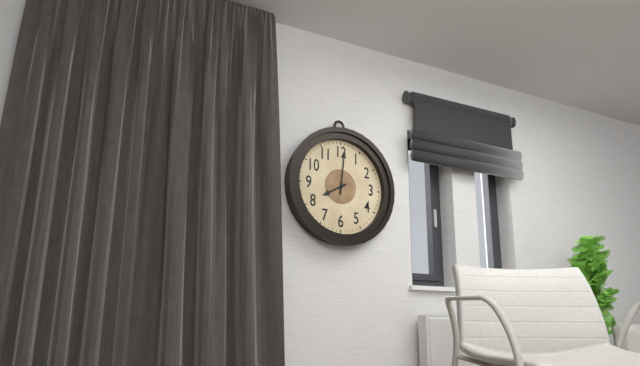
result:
8,01
